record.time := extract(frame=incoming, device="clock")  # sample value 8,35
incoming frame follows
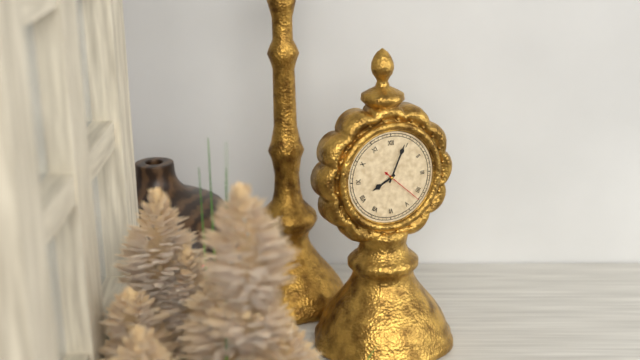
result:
8,04
